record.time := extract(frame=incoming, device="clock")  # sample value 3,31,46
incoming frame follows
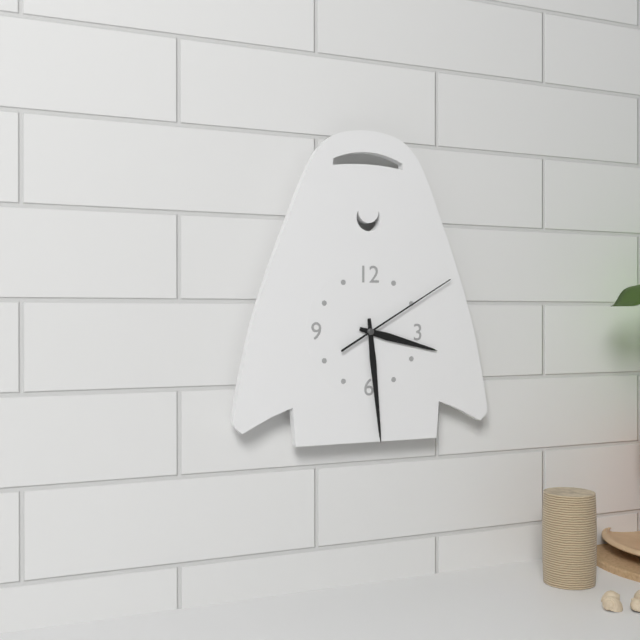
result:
3,29,10
